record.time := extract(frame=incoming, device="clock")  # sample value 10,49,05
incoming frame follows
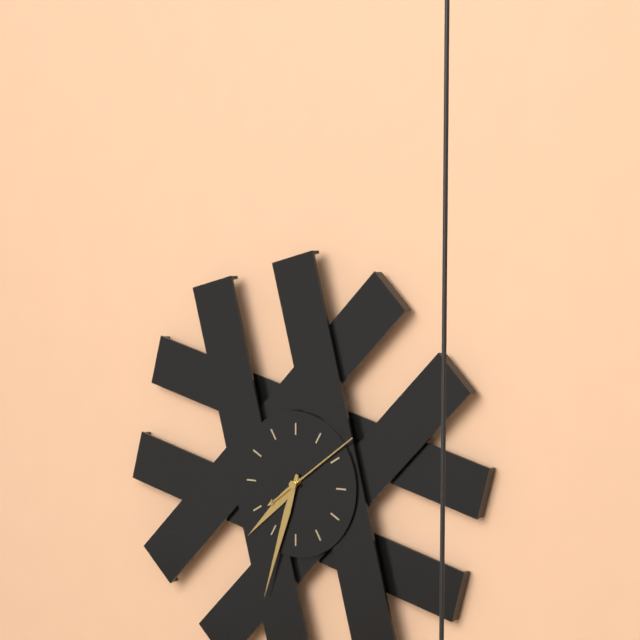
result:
7,33,09
